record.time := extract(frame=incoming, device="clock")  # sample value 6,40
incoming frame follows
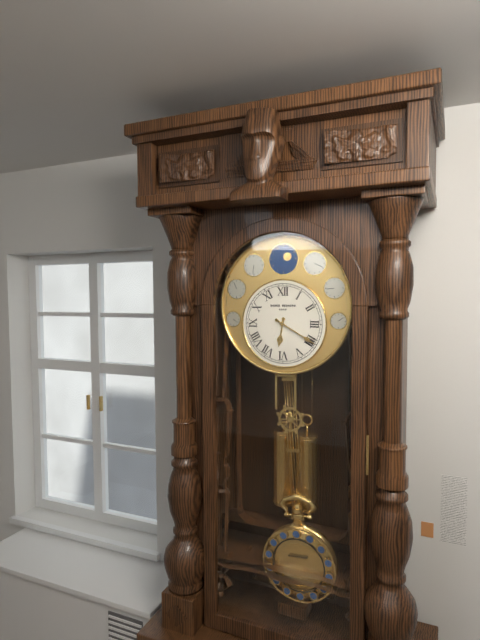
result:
6,20
